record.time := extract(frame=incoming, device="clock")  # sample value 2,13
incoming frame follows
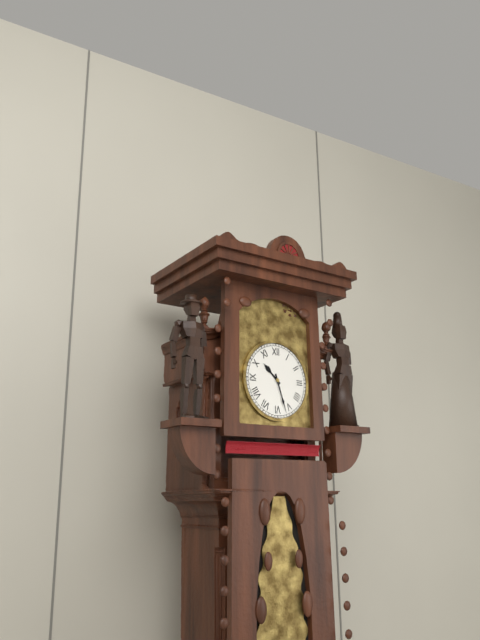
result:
10,27
